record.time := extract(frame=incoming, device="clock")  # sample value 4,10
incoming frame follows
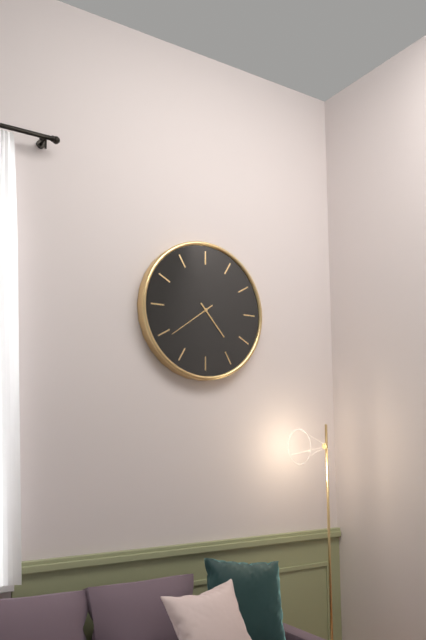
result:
4,39
